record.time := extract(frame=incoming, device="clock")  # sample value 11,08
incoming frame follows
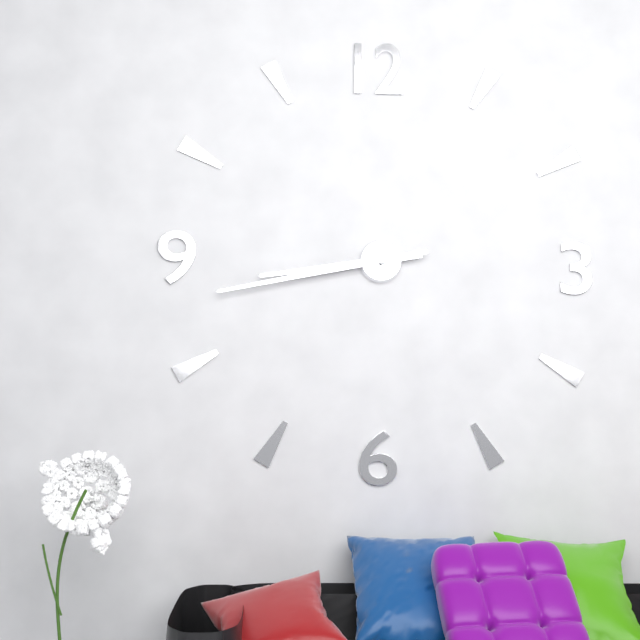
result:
8,43
